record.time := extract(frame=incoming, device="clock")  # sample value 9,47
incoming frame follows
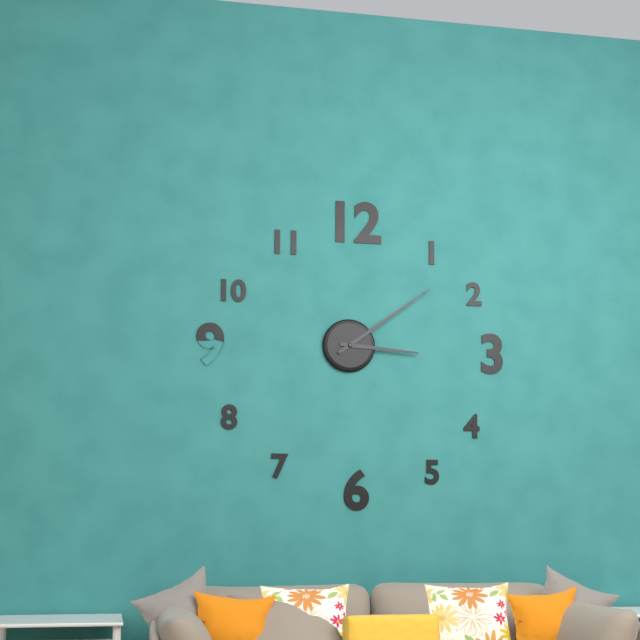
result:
3,09
